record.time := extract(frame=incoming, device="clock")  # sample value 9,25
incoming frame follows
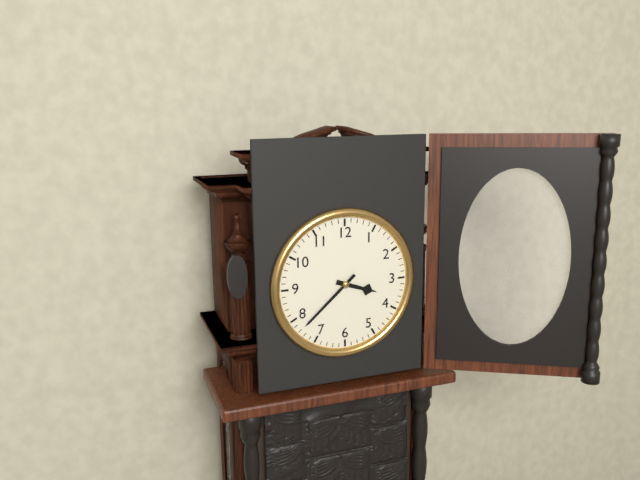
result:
3,38
